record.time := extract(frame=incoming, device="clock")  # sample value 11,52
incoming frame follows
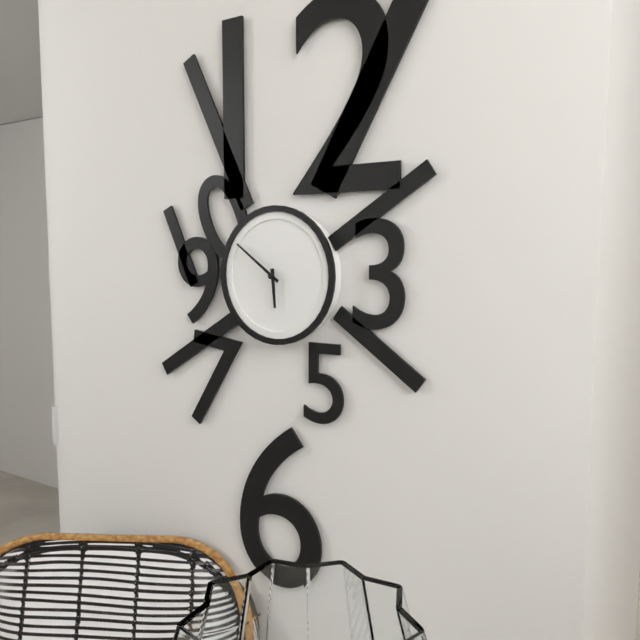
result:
5,51
